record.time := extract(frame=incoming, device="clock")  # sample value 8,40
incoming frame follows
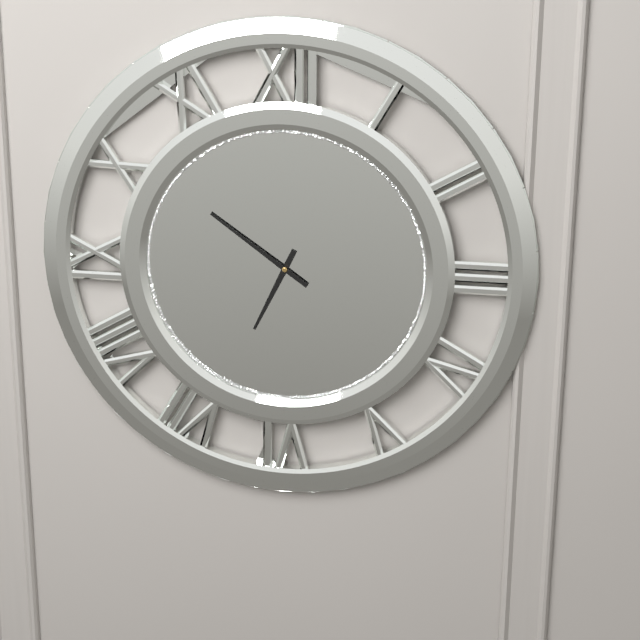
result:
6,51
